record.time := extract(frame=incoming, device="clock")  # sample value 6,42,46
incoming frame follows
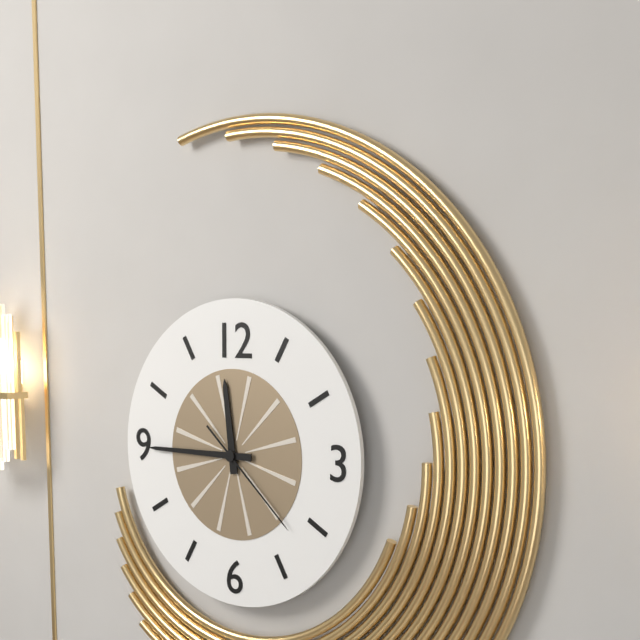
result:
11,45,22
